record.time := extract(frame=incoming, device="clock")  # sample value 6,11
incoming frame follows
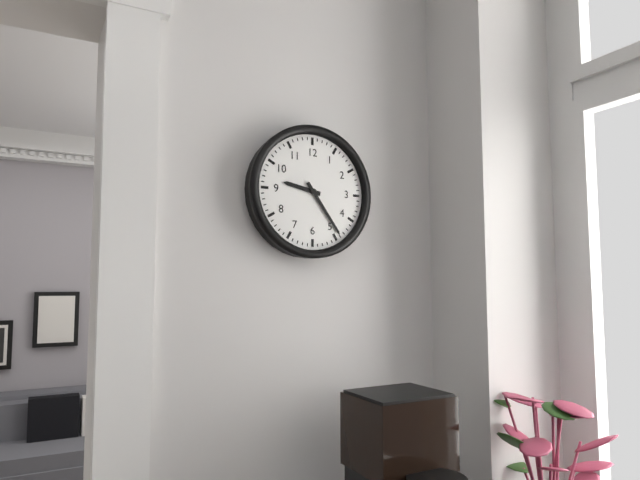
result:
9,24
